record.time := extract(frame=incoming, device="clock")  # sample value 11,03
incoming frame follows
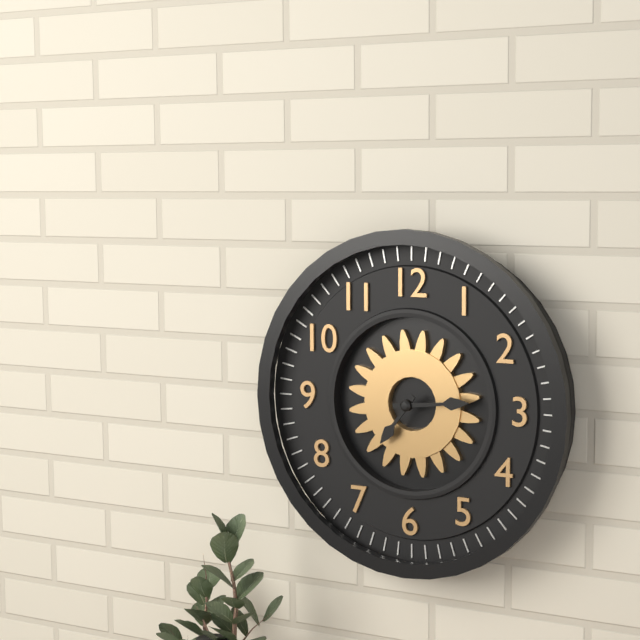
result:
7,14
